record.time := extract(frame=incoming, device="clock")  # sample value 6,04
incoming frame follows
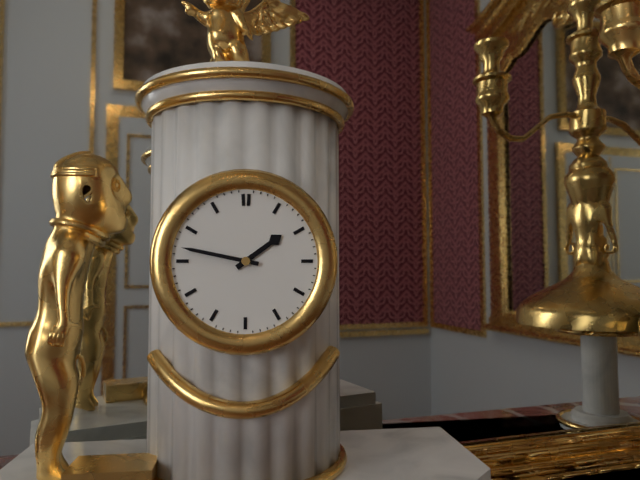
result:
1,47
